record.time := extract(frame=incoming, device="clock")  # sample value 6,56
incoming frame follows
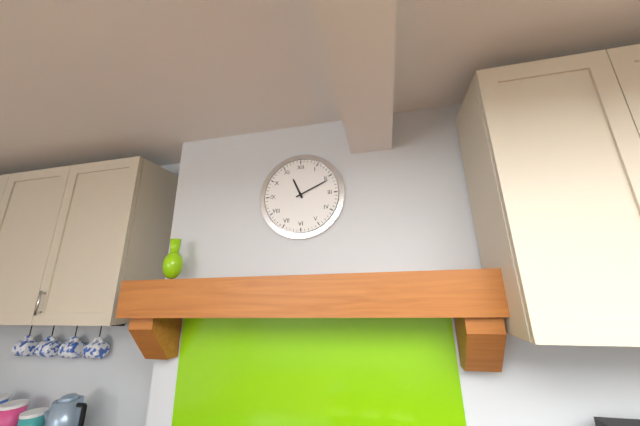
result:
11,11
